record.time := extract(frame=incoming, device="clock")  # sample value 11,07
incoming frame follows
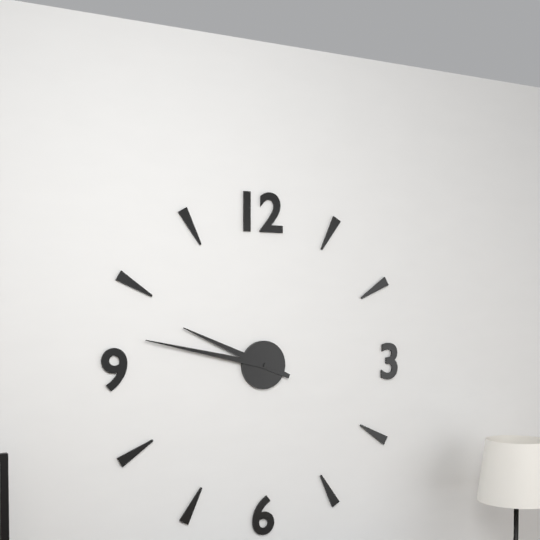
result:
9,47
